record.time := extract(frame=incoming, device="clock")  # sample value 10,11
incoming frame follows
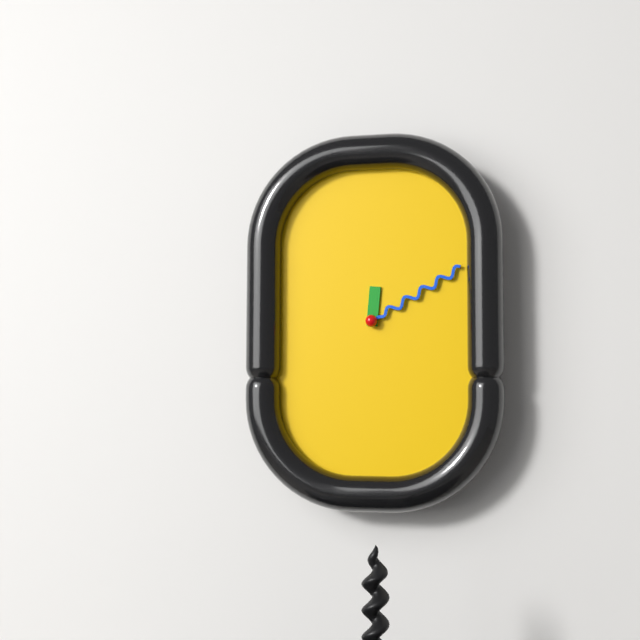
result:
12,10
